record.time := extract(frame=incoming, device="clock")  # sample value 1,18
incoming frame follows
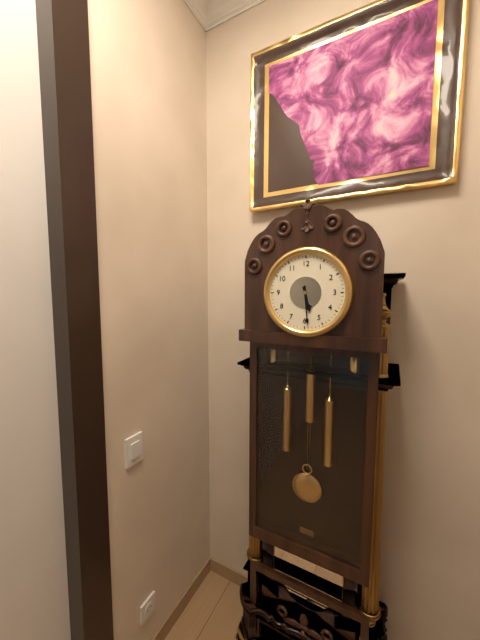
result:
5,29
